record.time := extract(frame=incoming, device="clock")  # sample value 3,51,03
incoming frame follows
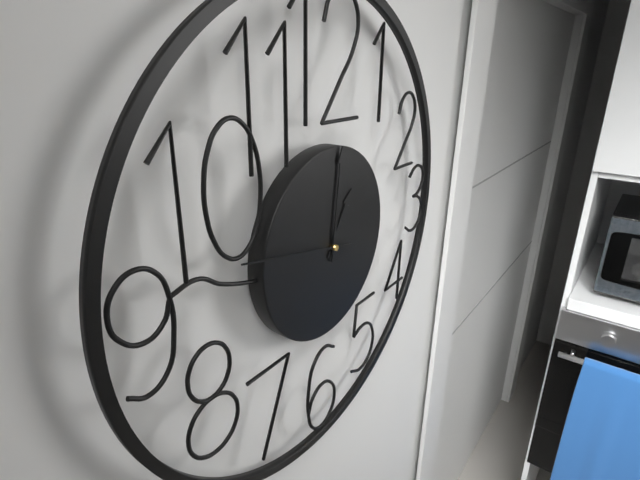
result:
1,01,47
